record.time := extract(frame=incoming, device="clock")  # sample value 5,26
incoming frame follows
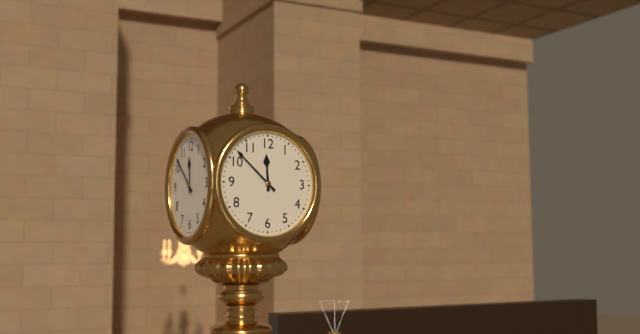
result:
11,52
